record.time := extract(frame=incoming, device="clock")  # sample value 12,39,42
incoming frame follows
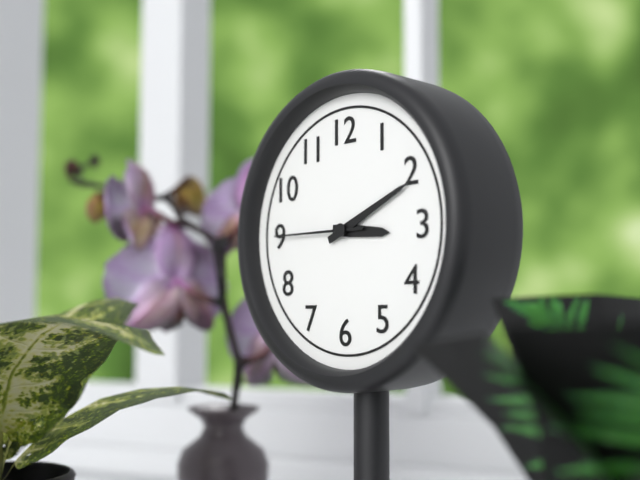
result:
3,11,45
